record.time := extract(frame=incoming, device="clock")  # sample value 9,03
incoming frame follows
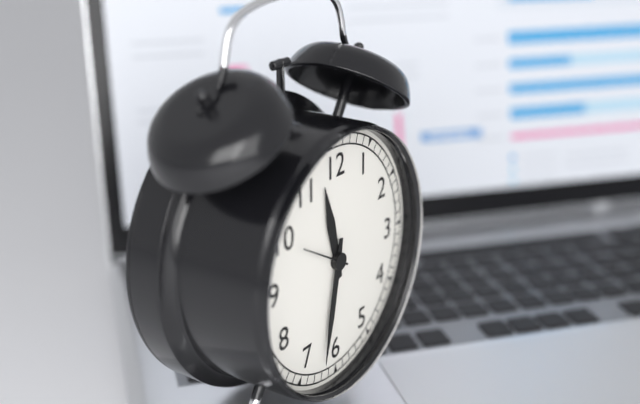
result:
11,32
